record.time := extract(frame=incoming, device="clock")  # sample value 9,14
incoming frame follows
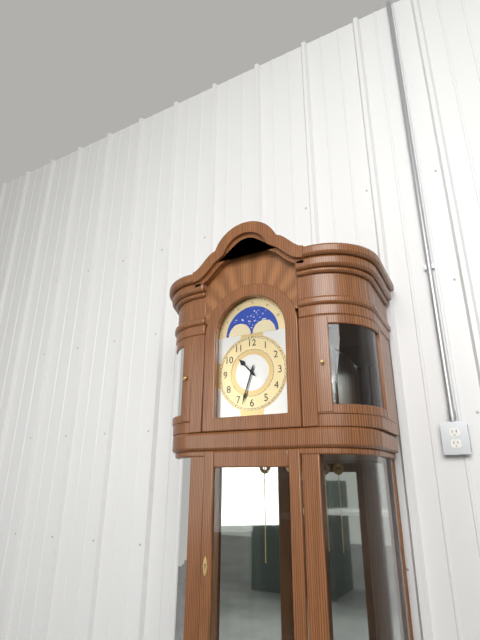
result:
10,33
